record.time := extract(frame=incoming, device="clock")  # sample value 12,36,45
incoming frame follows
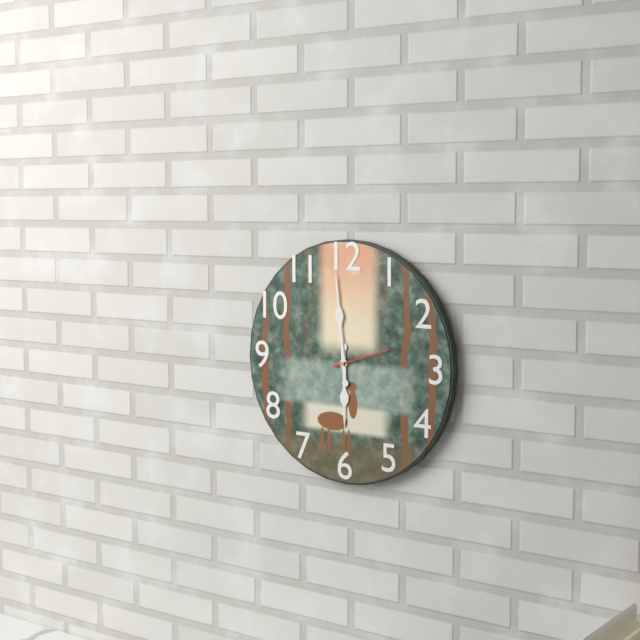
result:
5,59,12
